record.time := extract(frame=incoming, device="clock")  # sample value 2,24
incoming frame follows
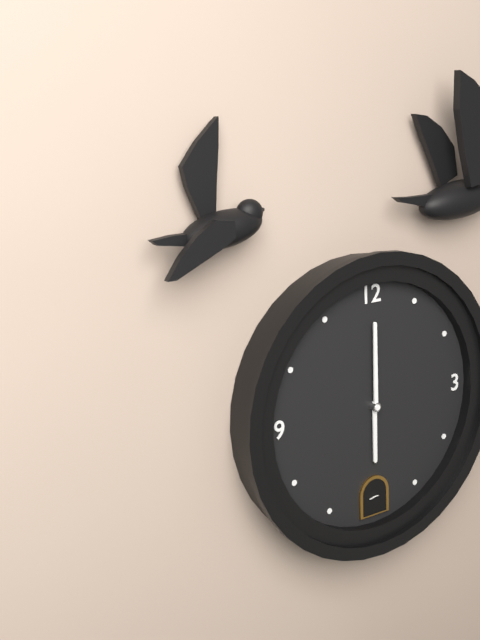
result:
6,00
